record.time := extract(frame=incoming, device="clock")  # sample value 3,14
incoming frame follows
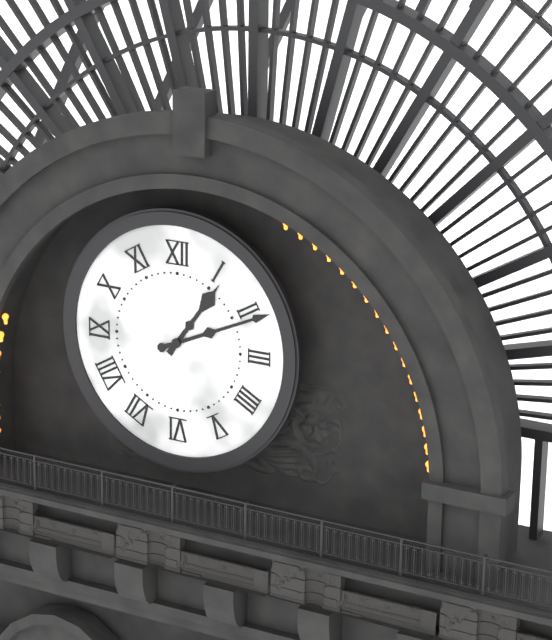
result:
1,11
